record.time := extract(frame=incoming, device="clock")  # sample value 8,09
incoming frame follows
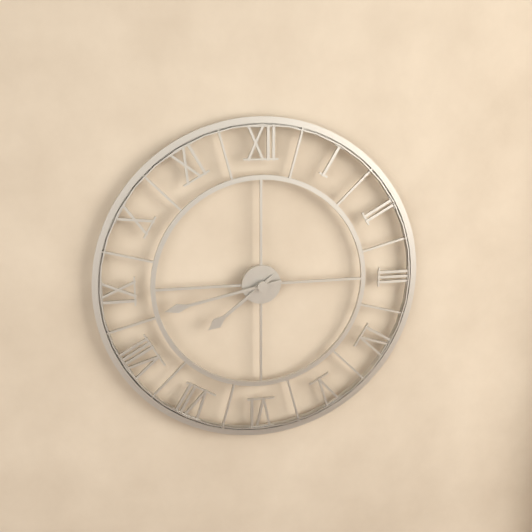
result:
7,43
